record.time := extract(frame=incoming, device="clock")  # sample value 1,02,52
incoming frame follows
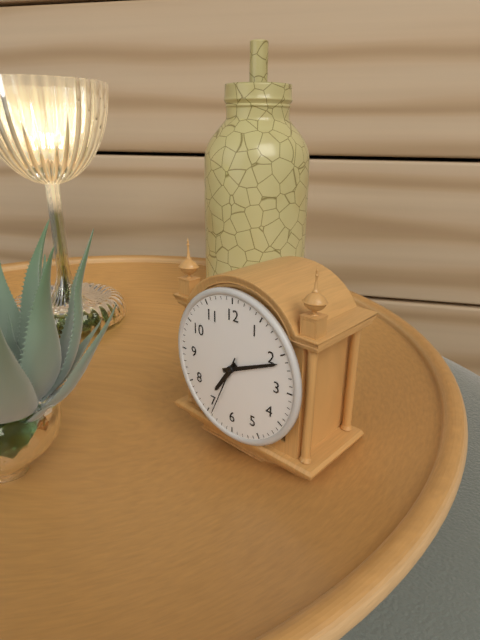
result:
7,11,34
